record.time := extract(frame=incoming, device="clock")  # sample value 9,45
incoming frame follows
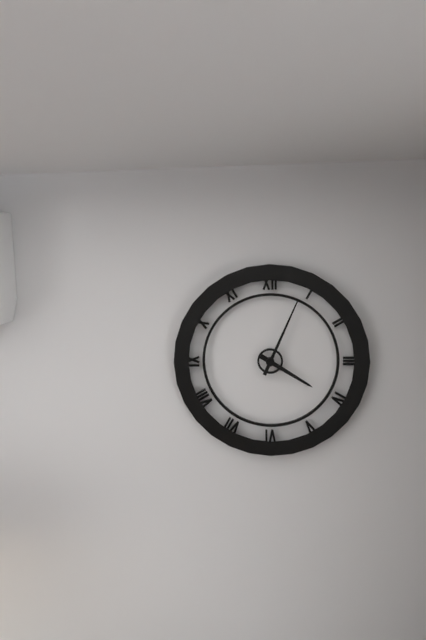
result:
4,04
